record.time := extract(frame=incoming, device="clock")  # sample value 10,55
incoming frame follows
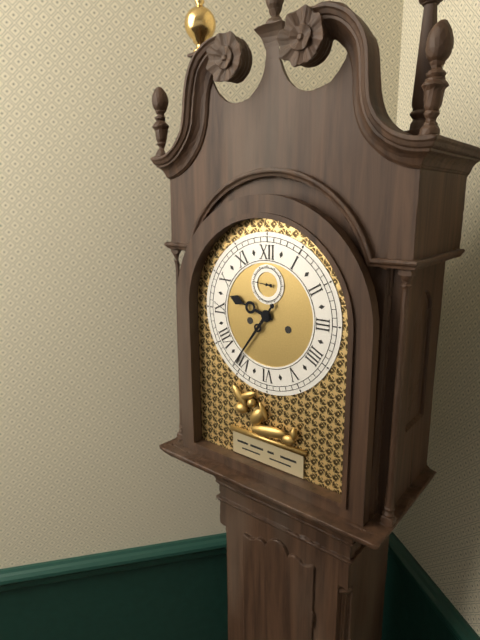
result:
9,36
